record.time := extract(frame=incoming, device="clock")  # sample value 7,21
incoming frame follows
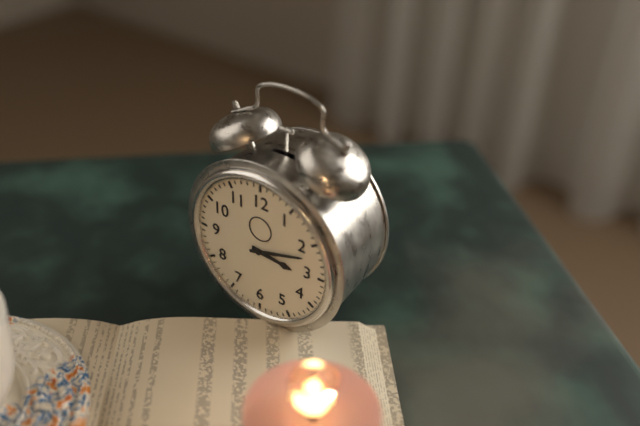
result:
3,12
